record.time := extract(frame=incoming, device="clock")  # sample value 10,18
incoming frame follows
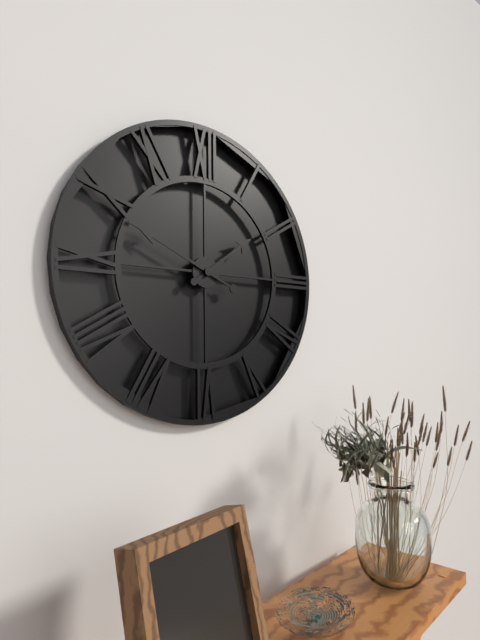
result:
1,49
